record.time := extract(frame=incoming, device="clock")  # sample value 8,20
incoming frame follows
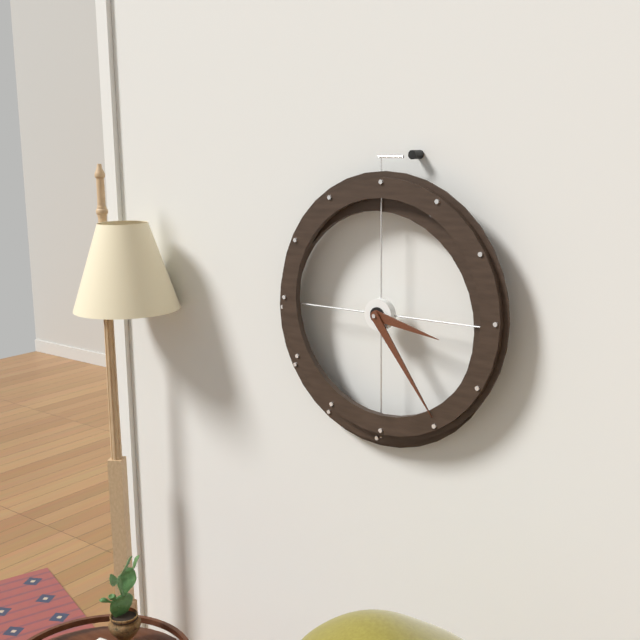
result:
3,24
